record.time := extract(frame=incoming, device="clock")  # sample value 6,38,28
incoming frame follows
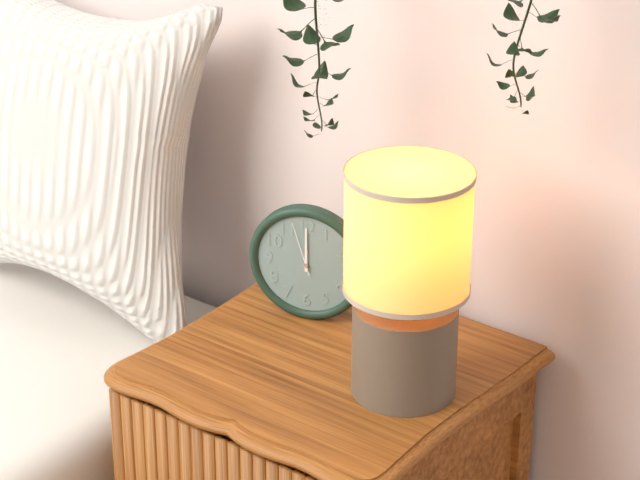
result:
12,00,57
